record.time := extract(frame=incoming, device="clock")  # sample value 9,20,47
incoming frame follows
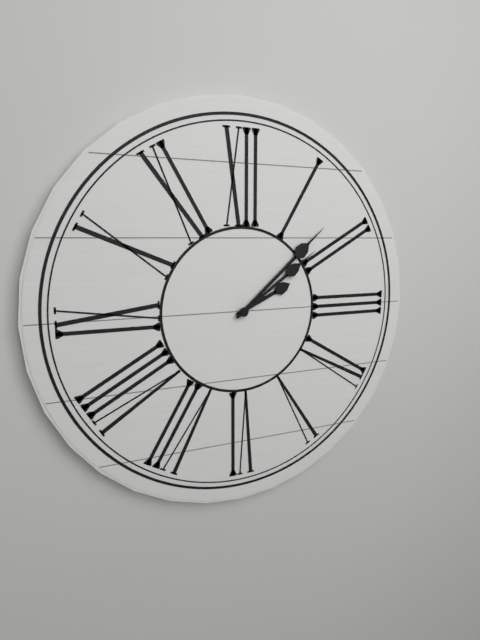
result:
2,08,09
